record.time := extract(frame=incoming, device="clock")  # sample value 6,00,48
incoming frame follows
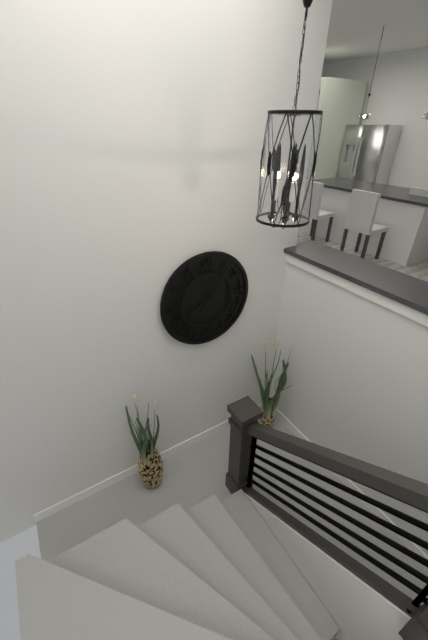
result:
8,06,38
